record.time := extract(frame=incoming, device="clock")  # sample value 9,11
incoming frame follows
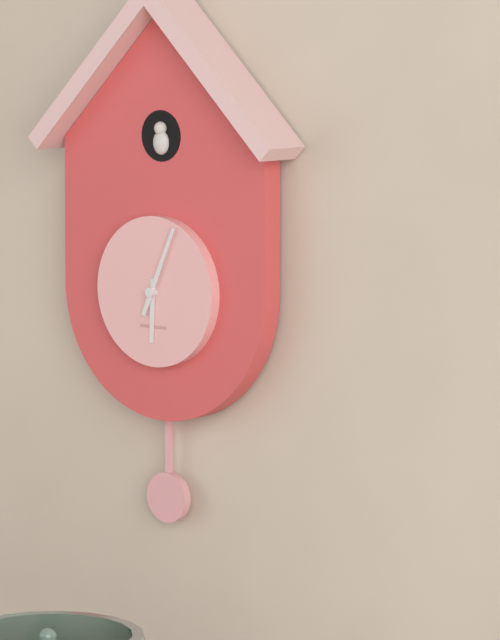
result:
6,04
